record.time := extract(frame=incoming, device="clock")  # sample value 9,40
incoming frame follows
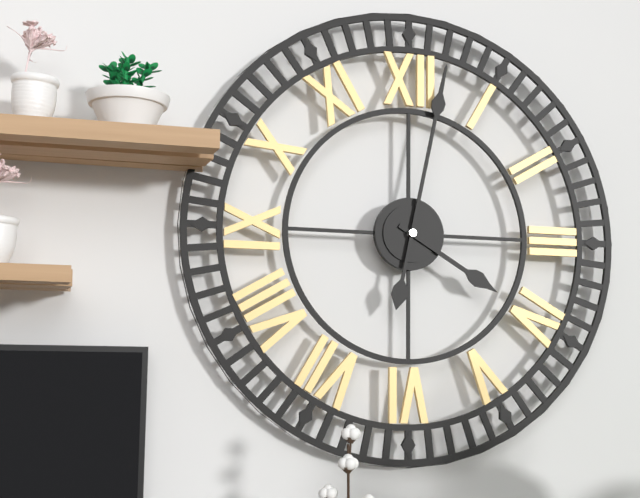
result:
4,02
